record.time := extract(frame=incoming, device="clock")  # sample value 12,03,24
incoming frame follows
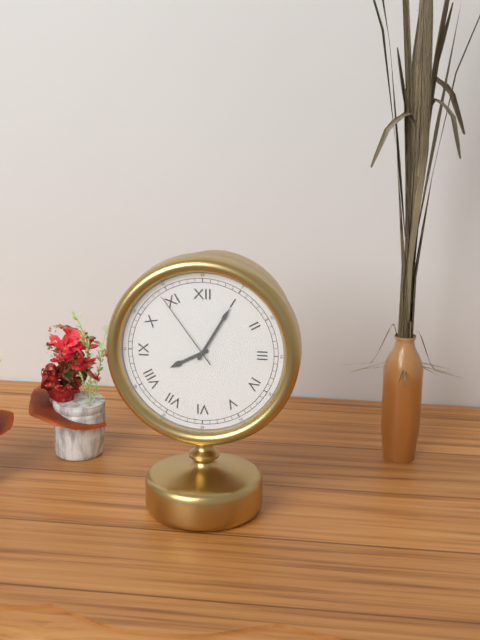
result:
8,05,54
